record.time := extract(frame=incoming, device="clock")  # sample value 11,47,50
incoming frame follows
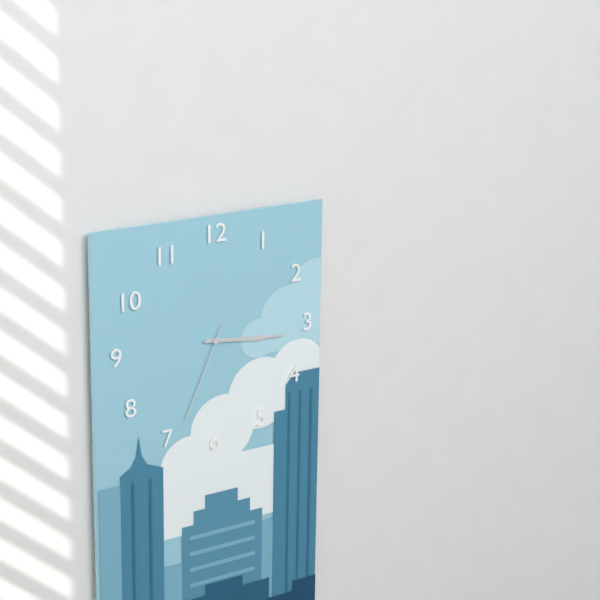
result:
3,16,34
